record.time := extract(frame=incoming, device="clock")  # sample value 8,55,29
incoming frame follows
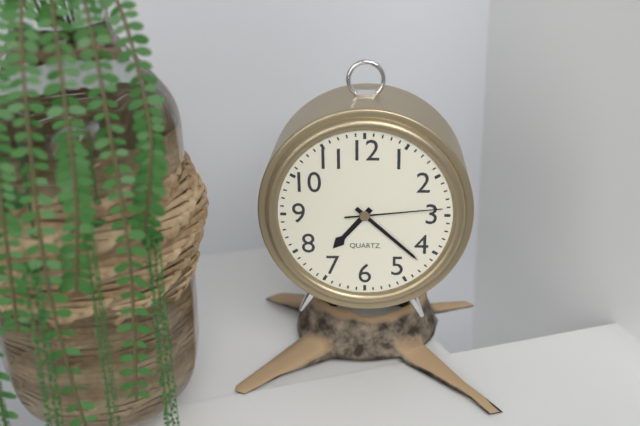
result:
7,22,14
